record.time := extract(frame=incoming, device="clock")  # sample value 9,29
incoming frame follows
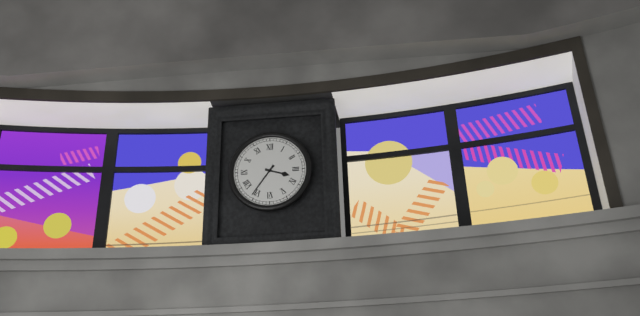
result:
3,36
